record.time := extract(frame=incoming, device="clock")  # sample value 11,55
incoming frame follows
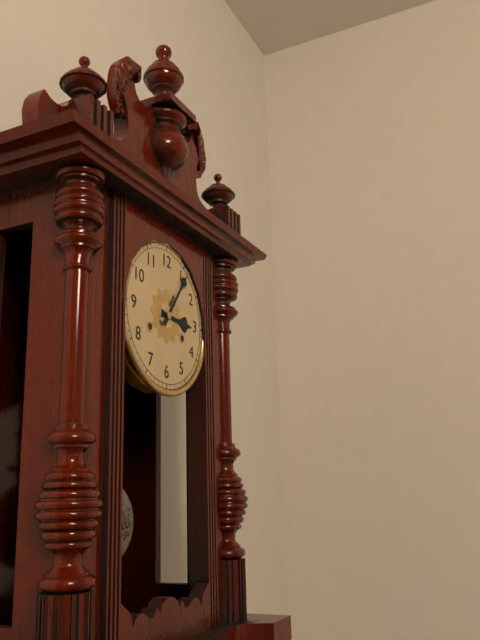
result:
3,06
